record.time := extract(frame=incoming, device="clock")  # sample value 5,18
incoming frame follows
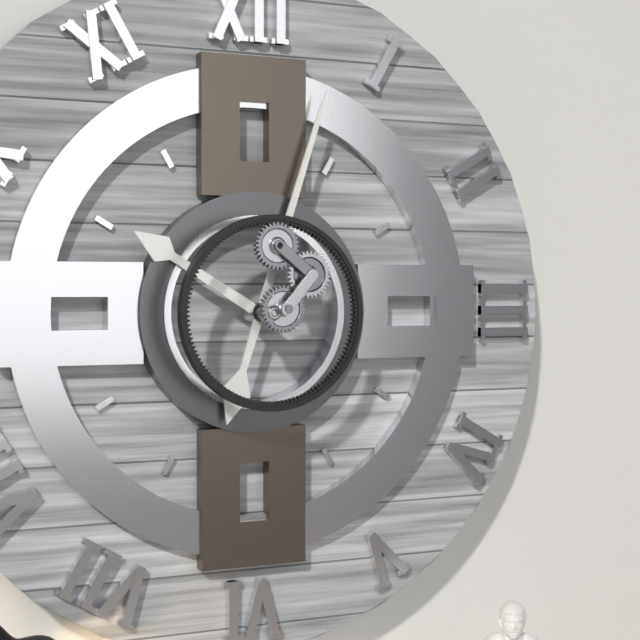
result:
10,03
